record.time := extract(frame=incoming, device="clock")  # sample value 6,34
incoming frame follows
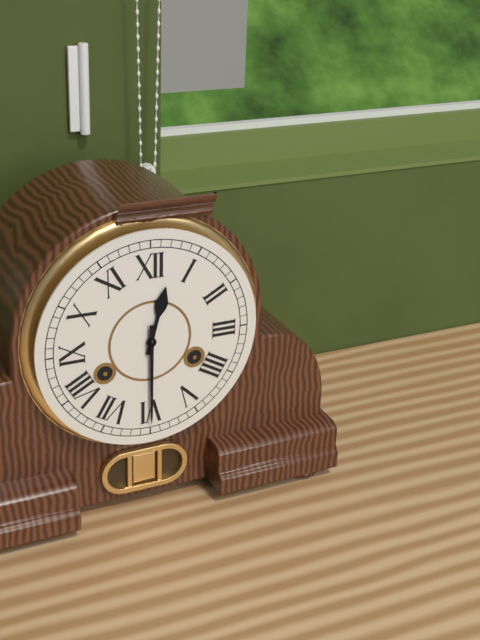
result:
12,30
